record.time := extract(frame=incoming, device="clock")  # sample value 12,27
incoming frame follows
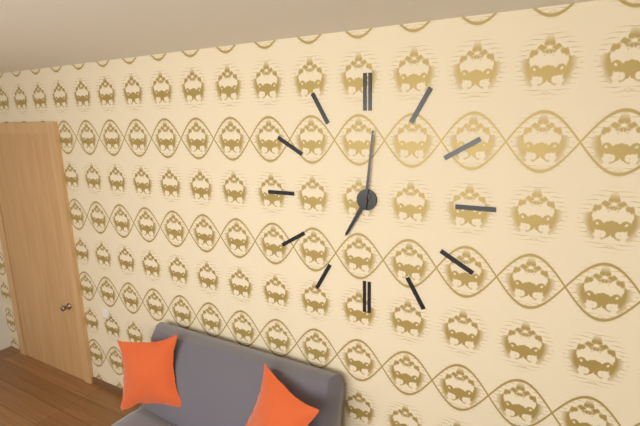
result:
7,01
